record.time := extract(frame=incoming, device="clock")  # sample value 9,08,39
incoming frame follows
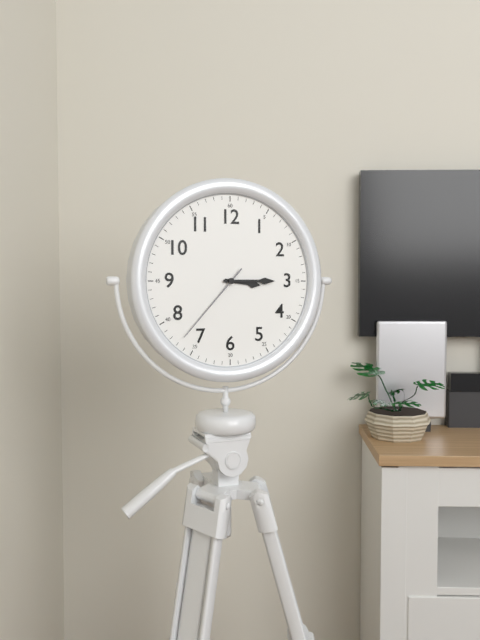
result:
3,15,37
